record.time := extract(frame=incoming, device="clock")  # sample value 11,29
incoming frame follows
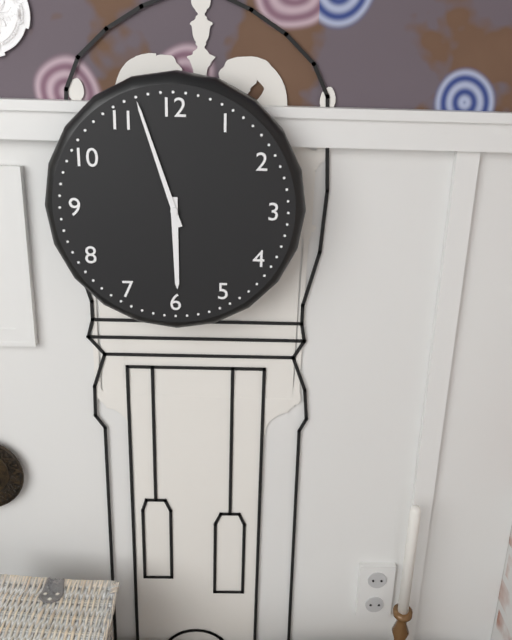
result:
5,57
